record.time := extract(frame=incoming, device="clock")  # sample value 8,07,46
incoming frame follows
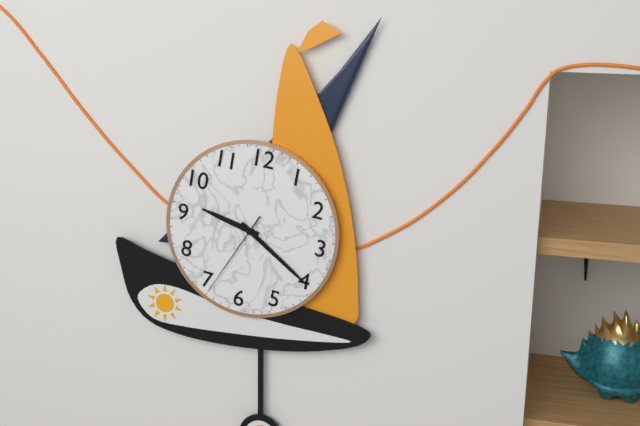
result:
9,20,34
